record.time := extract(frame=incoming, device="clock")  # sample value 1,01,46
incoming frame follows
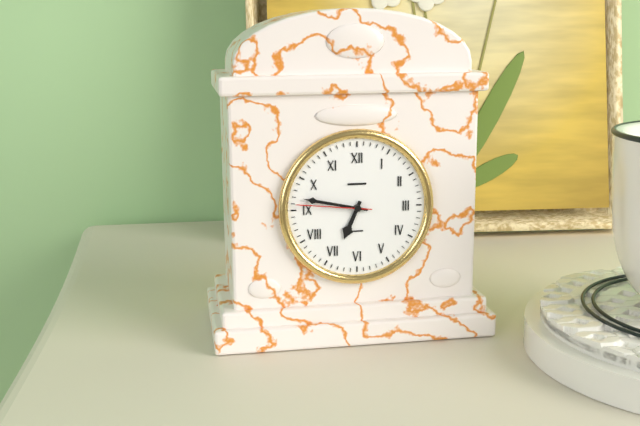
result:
6,47,46
